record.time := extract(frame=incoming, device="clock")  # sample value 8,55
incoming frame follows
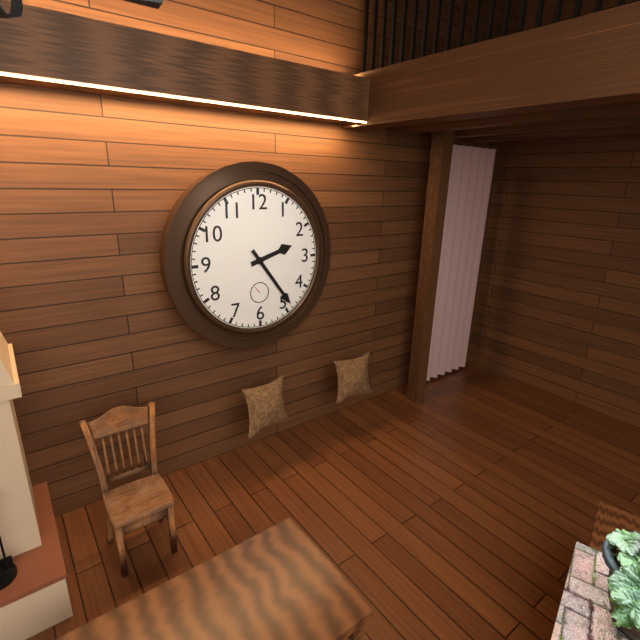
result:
2,24
